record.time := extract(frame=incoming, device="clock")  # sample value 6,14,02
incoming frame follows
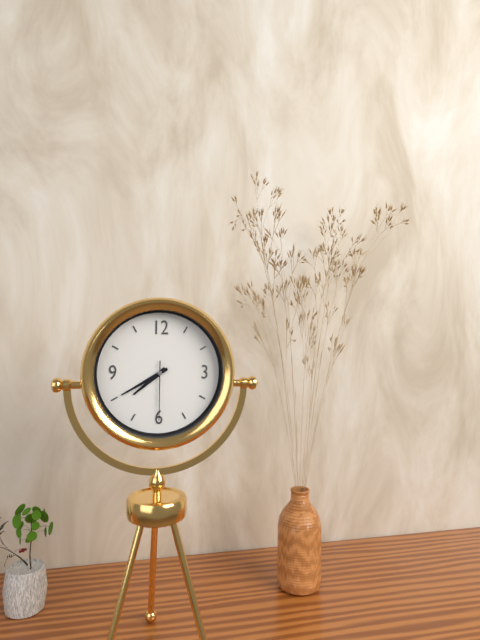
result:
7,40,30
